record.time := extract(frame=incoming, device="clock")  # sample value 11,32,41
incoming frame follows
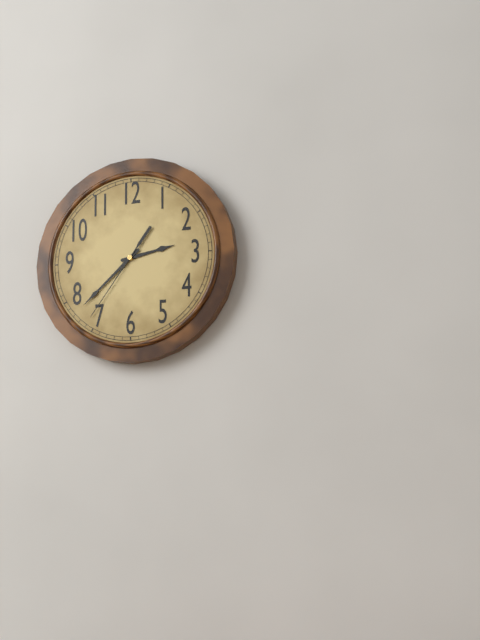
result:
2,38,36
